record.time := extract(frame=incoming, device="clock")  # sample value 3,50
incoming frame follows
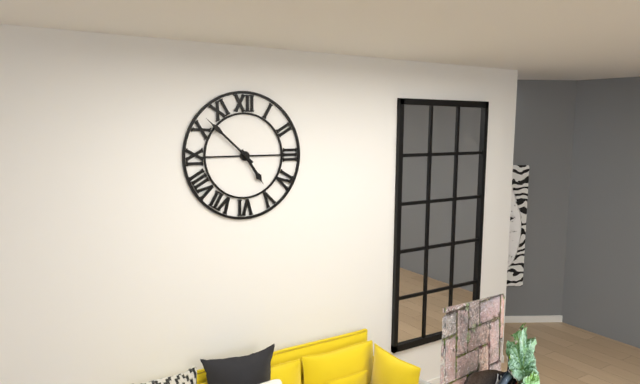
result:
4,52
